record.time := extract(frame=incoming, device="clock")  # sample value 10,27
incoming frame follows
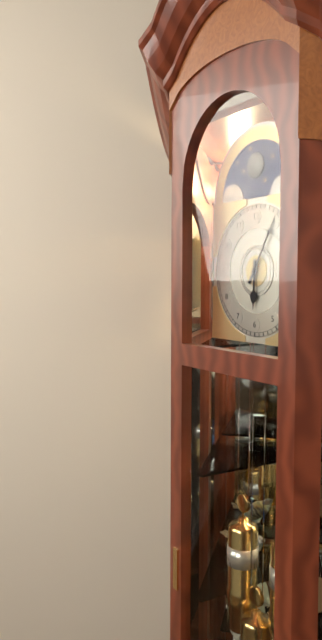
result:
6,05
